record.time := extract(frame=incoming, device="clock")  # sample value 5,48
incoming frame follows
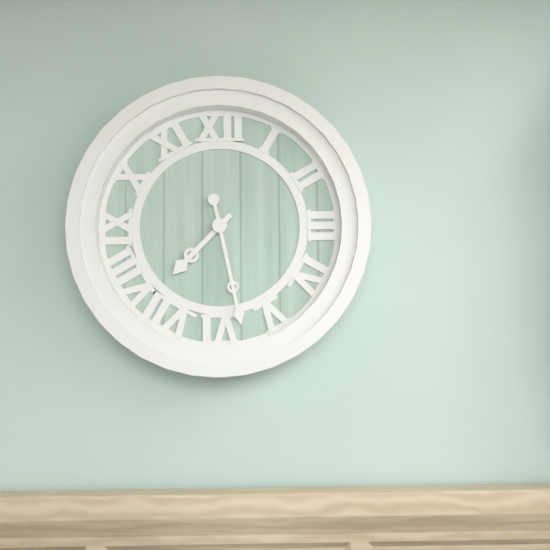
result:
7,28
